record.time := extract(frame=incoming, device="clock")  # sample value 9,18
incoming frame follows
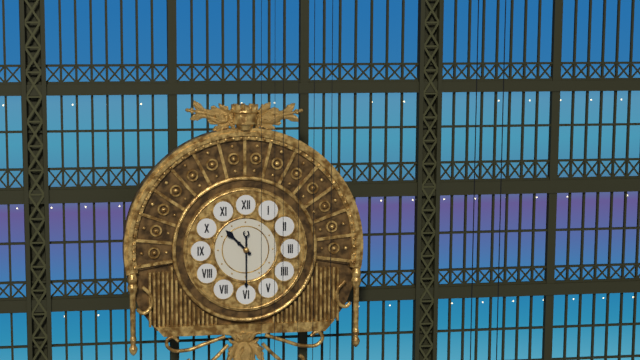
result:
10,30
